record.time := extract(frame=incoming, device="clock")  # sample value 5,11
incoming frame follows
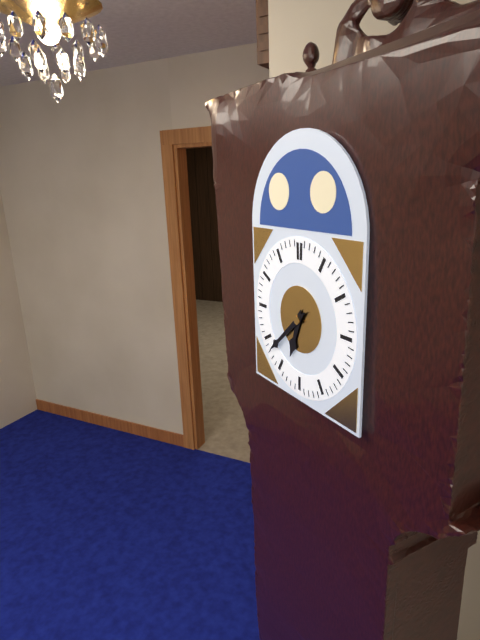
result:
6,38
